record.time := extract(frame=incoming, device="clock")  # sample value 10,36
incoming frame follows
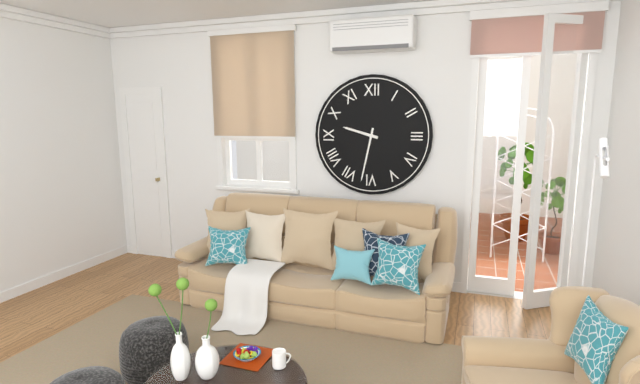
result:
9,32
